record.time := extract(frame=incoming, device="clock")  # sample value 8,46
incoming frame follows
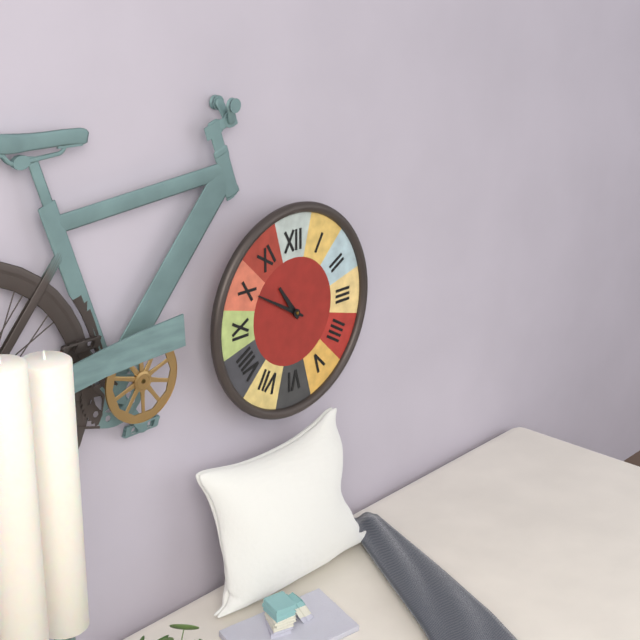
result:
10,50
